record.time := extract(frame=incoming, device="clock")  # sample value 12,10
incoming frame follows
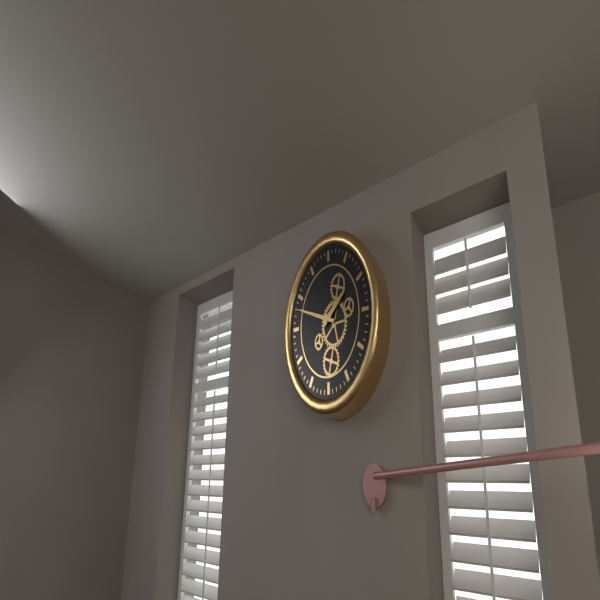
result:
1,48
